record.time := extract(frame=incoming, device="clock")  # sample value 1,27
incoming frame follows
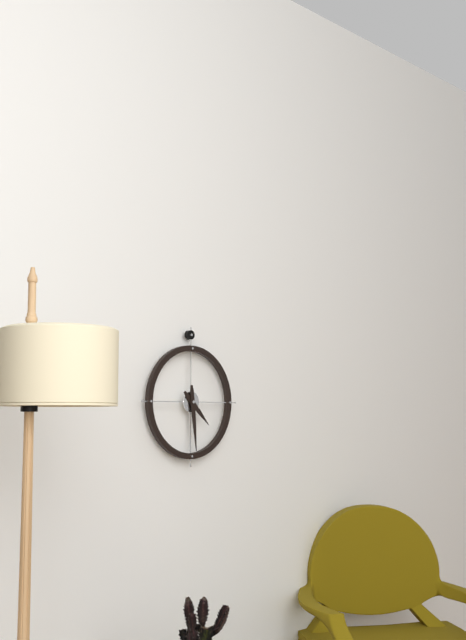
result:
4,29
